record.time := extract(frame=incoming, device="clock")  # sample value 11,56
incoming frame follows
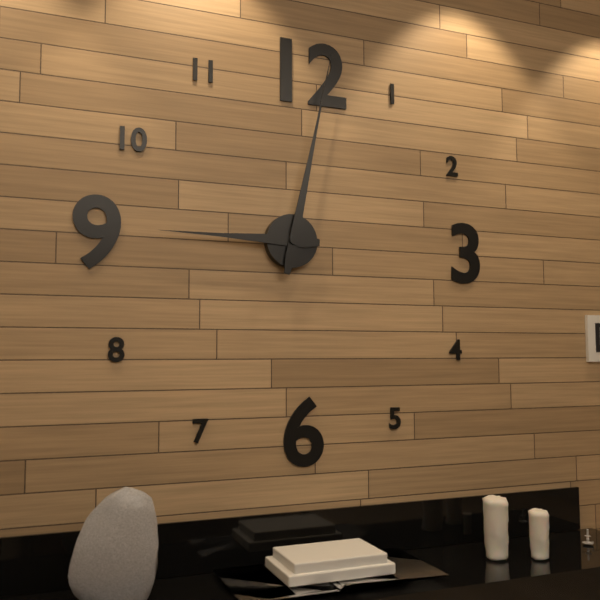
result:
9,02
